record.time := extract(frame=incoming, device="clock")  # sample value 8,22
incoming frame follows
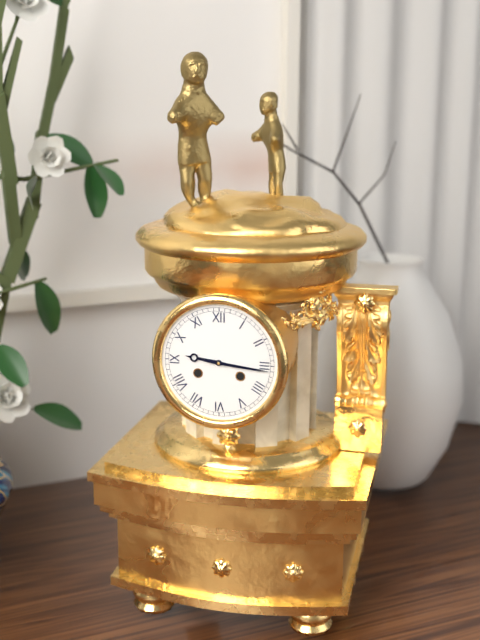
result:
9,16
